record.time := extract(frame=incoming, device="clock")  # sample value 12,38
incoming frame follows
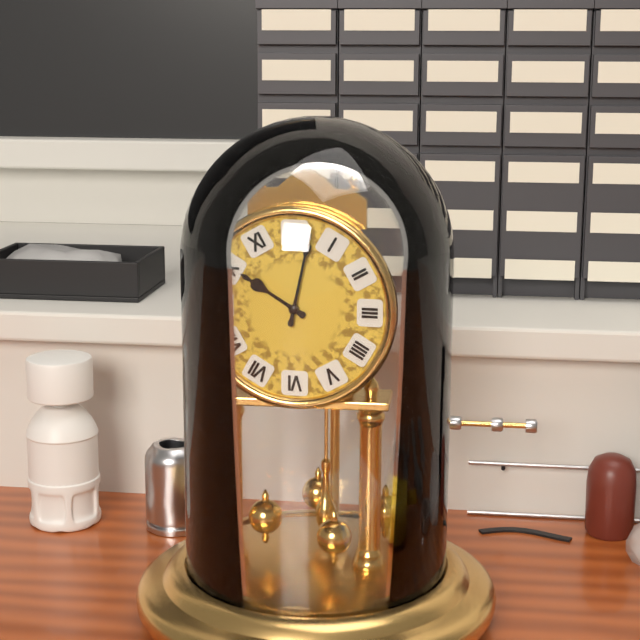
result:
10,02
